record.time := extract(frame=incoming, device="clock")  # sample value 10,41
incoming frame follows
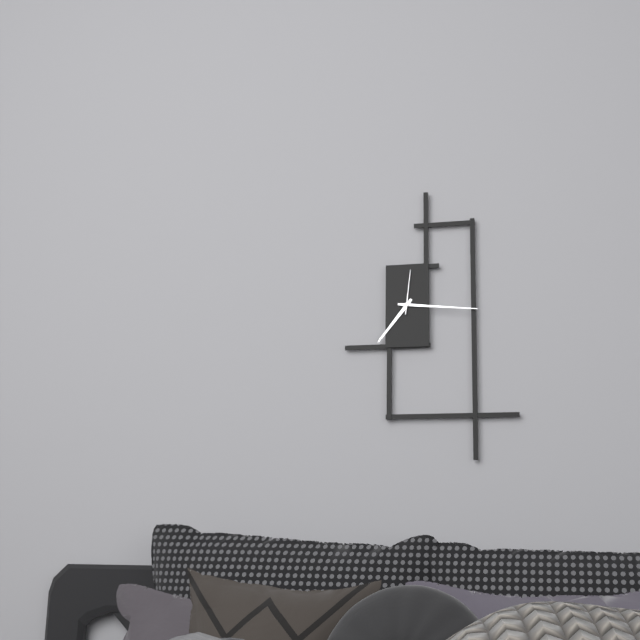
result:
7,16
